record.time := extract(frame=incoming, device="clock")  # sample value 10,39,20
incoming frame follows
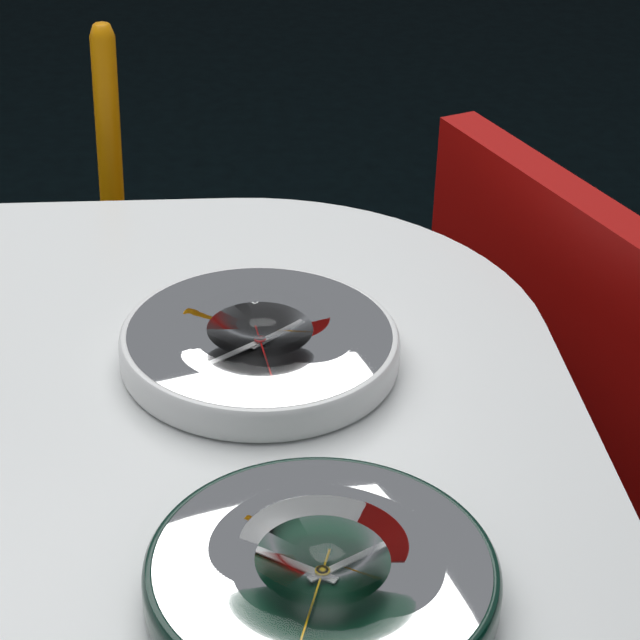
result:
1,39,29
